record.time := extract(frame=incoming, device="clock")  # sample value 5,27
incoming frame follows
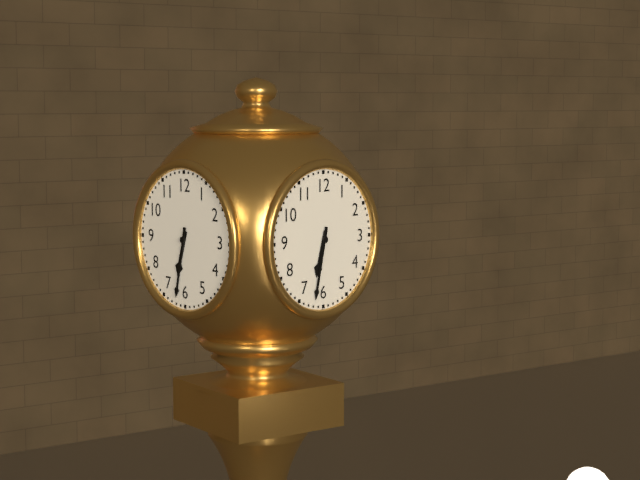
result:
6,32
